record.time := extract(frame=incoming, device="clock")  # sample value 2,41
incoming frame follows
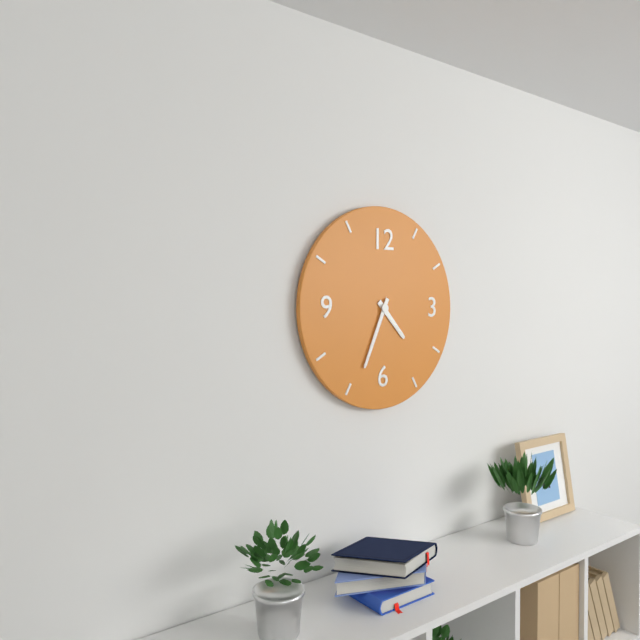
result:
4,34
